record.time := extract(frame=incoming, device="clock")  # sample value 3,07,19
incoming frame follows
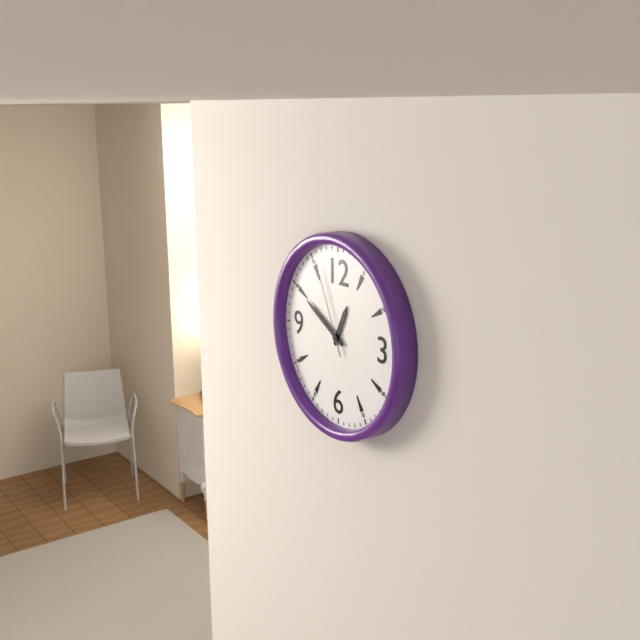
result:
12,50,56
